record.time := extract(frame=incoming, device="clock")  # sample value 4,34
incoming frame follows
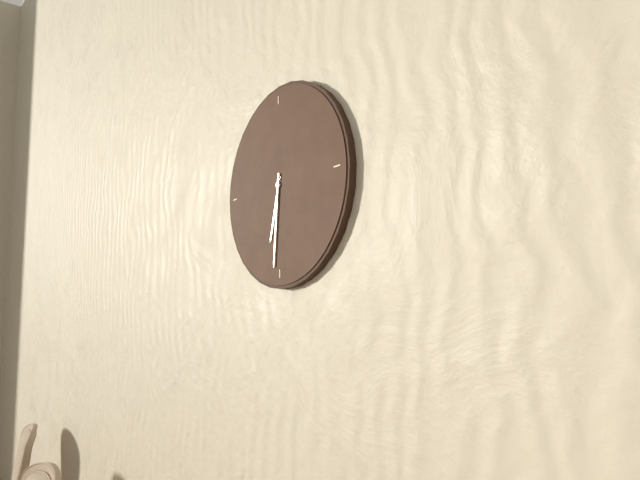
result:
6,31
